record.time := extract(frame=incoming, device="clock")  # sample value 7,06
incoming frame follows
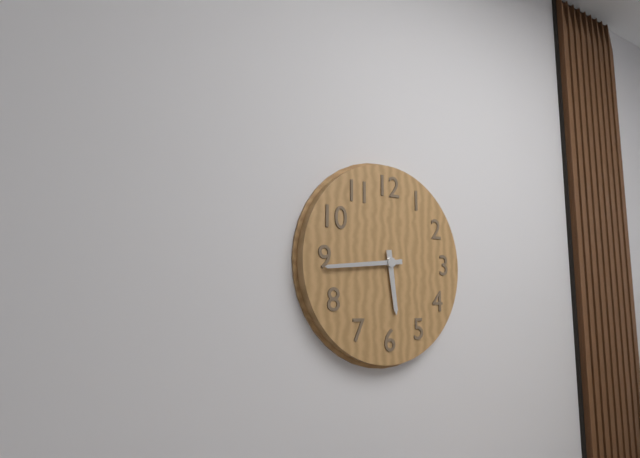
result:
5,44
